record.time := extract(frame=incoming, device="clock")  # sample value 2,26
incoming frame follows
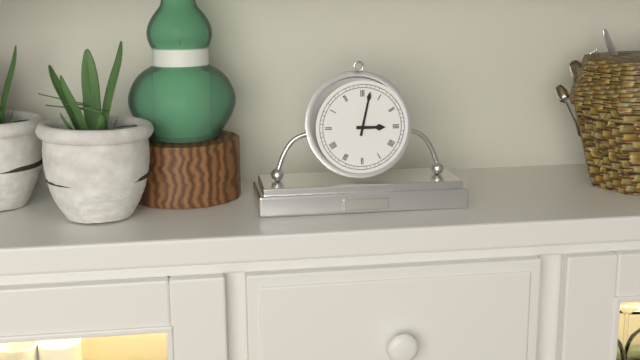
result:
3,02
